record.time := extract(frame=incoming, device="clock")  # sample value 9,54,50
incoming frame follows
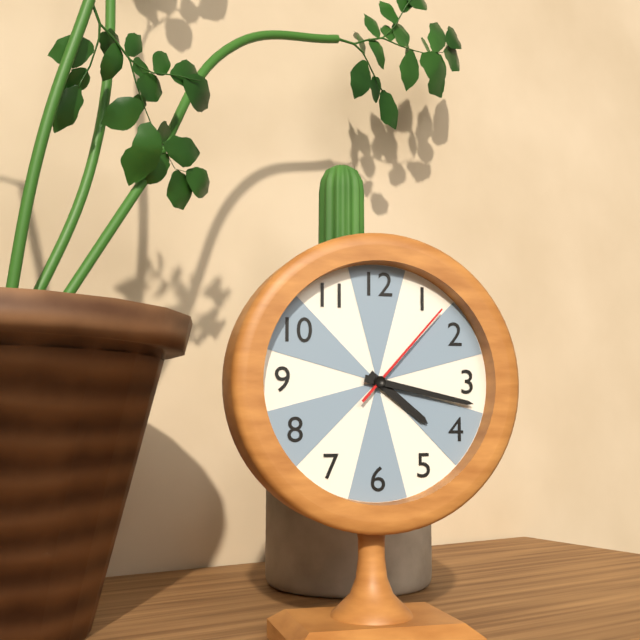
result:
4,17,07
